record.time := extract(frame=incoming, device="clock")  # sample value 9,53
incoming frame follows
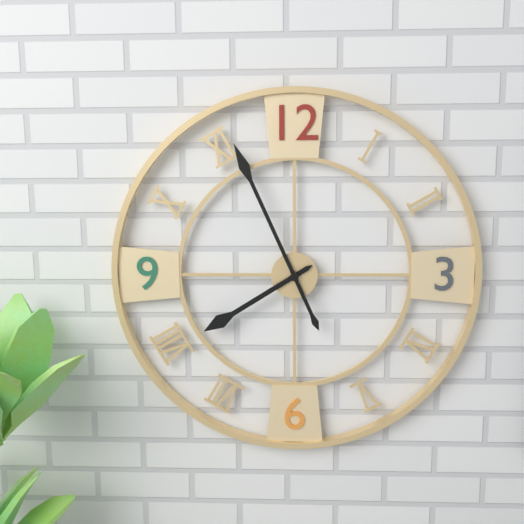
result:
7,56
